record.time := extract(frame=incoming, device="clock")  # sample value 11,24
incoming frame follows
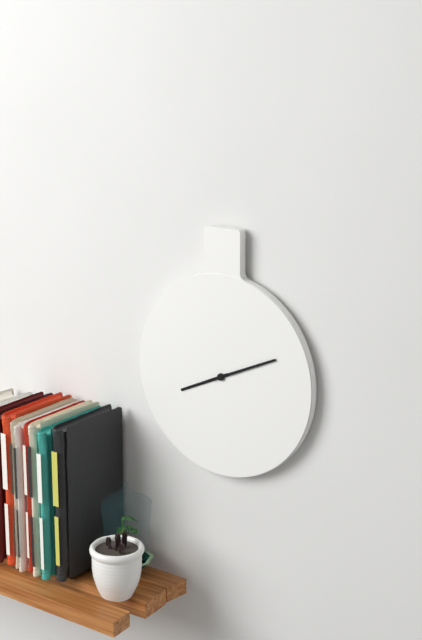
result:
8,11
